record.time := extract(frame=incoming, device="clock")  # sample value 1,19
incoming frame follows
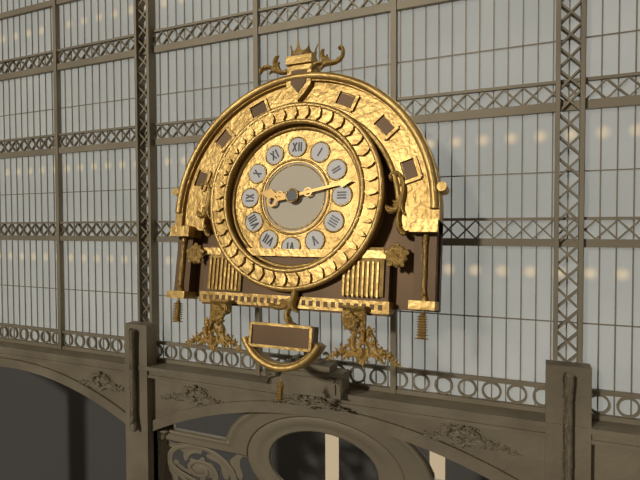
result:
9,13
